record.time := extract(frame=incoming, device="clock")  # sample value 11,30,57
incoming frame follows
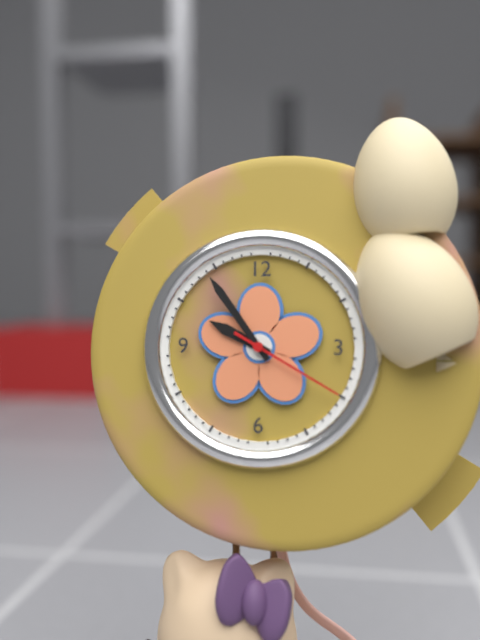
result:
9,54,20
